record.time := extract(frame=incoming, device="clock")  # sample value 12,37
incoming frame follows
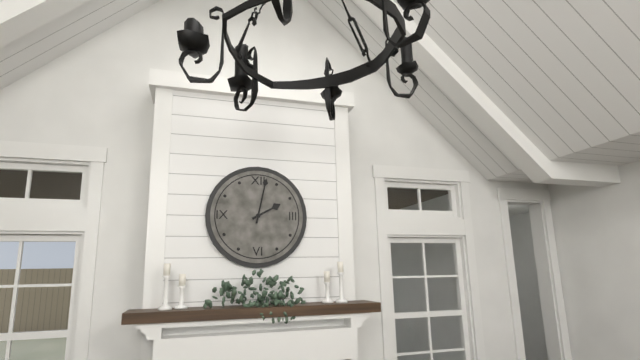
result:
2,02
